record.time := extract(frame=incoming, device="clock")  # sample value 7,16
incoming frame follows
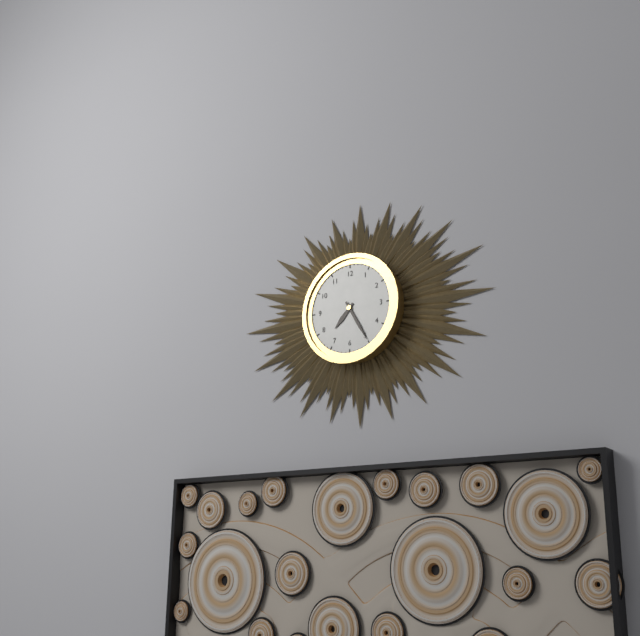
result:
7,25
